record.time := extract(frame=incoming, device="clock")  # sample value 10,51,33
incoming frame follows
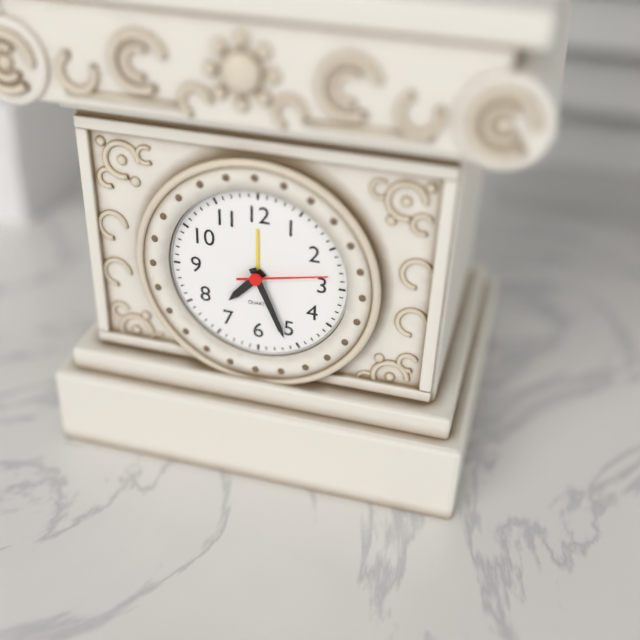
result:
7,26,13
